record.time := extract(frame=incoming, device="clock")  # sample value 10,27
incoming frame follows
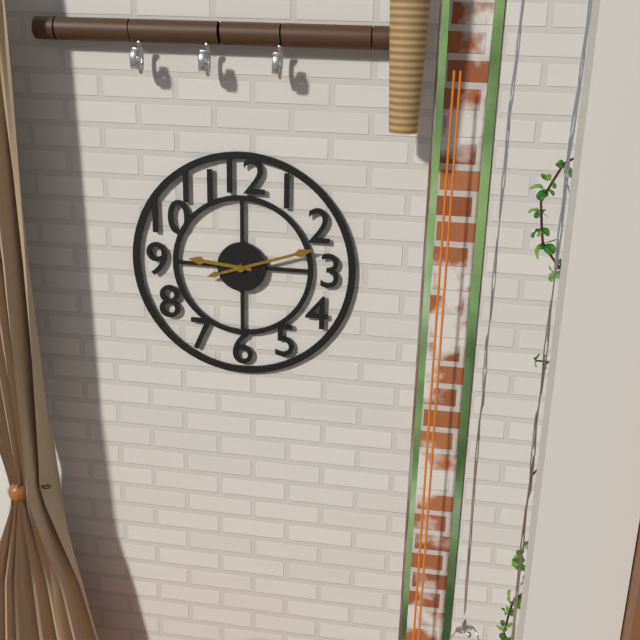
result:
9,12
